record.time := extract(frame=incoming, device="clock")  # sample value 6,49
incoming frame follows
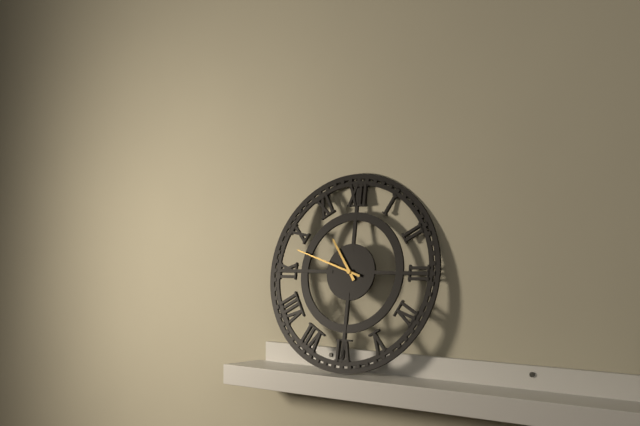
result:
10,48
